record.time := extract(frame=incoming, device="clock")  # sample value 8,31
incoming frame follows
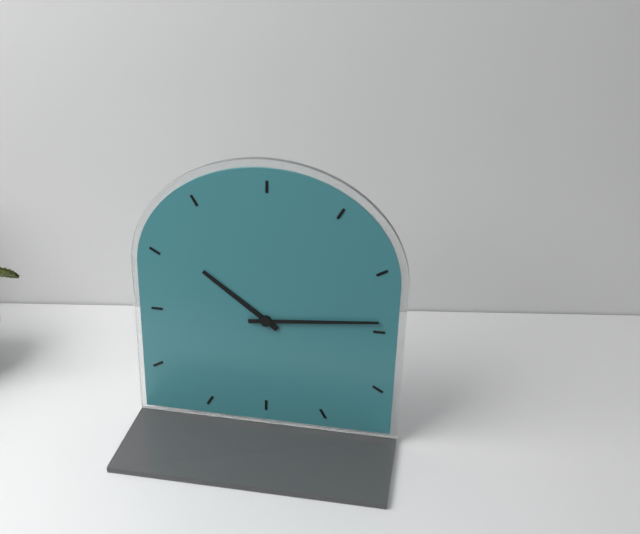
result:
10,14
